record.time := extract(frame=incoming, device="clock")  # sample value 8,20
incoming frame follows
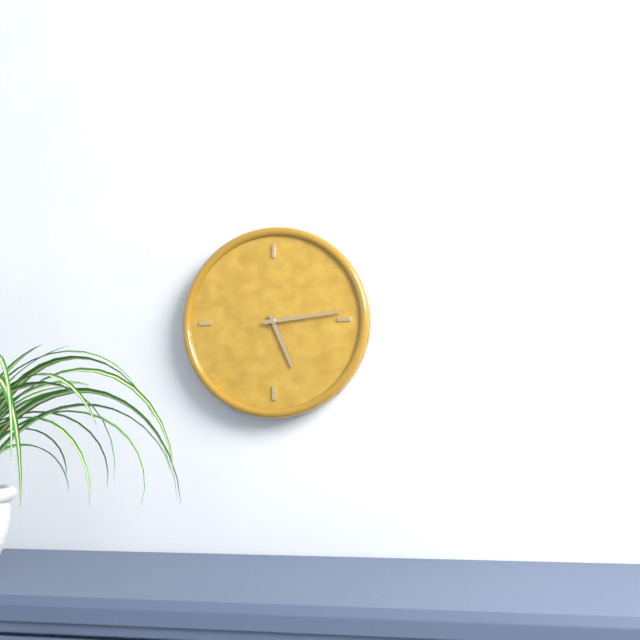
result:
5,14
